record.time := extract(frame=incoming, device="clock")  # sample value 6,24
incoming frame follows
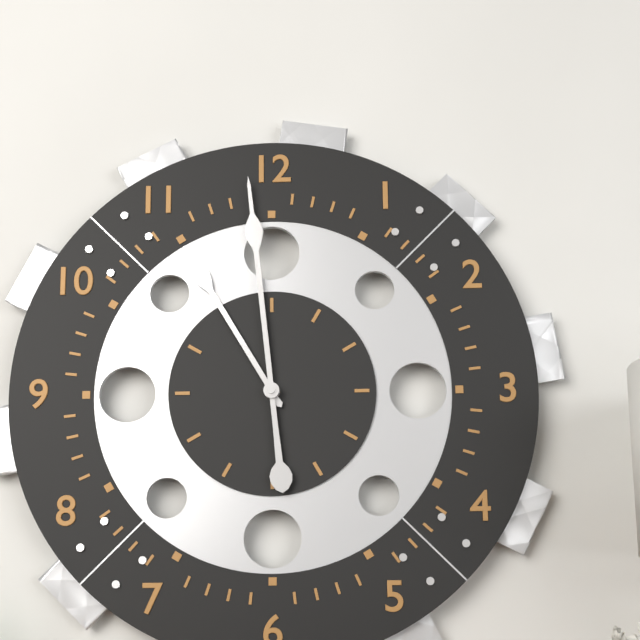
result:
10,59
